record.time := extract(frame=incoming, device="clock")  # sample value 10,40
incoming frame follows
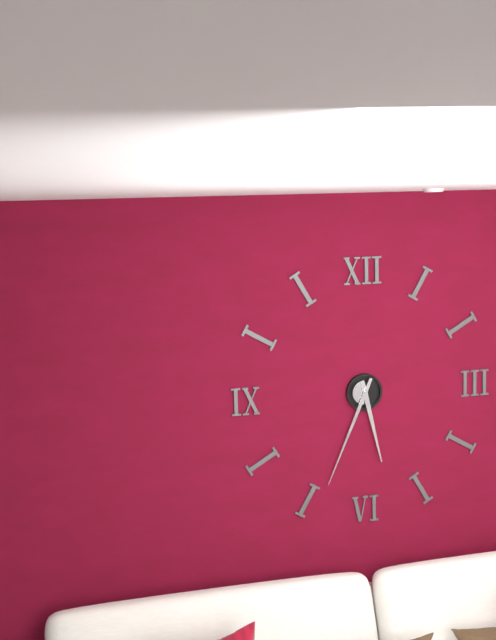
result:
5,34
